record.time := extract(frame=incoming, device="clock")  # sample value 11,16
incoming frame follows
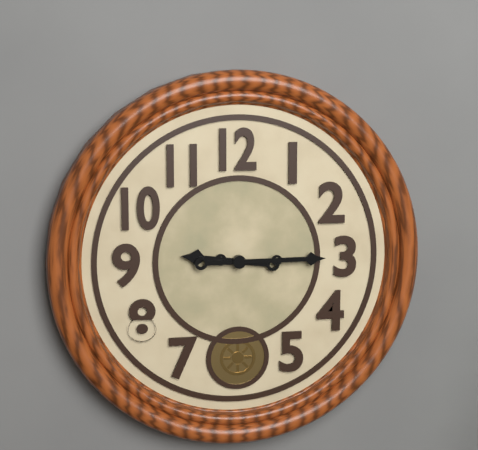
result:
9,15
